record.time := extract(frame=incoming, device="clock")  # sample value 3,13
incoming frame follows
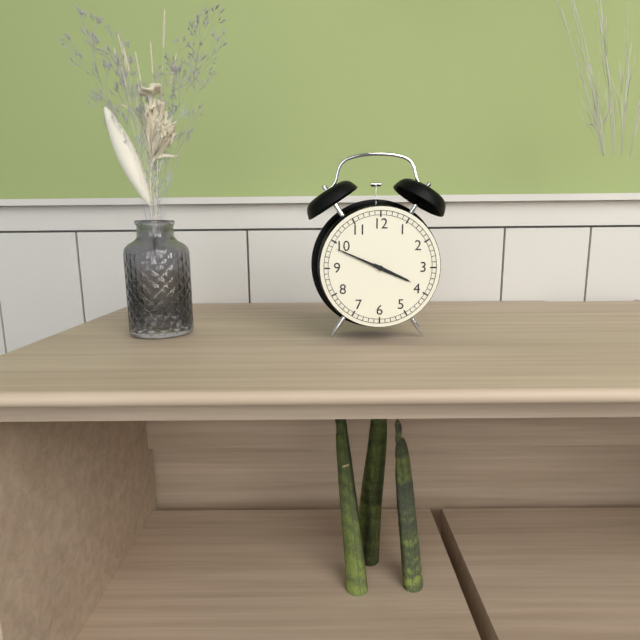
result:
3,49
